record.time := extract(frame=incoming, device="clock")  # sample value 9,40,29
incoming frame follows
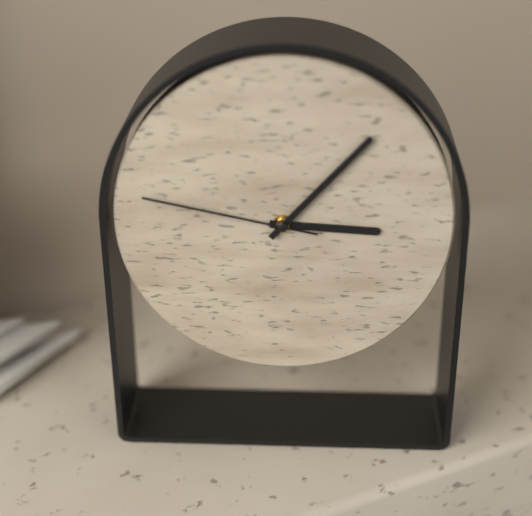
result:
3,07,47
